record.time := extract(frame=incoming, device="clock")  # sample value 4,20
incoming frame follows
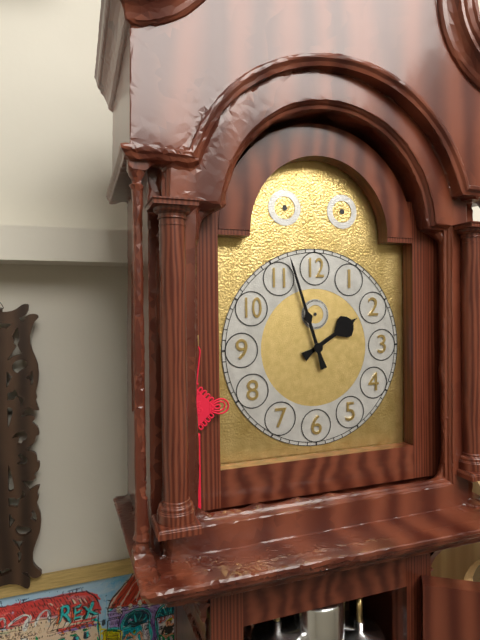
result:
1,57
